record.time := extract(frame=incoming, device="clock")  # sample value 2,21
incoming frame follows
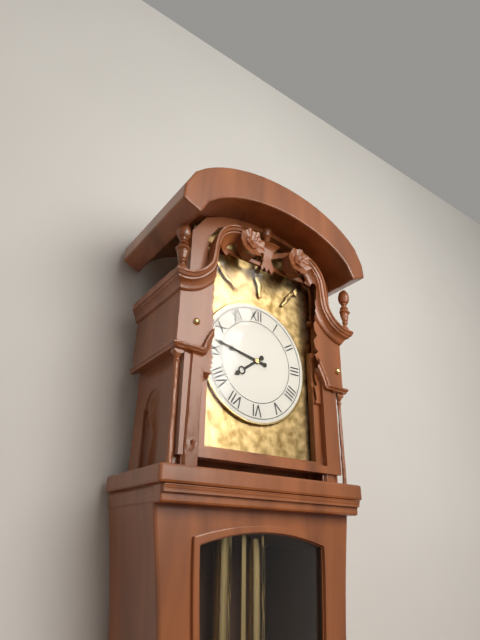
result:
7,47
